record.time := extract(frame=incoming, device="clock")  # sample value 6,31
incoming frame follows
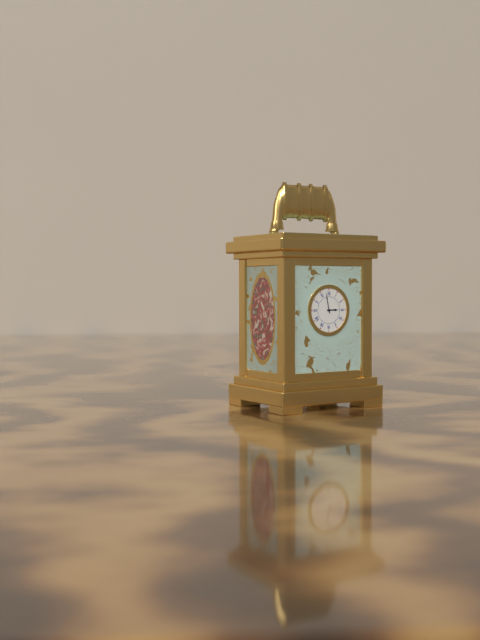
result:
2,58
